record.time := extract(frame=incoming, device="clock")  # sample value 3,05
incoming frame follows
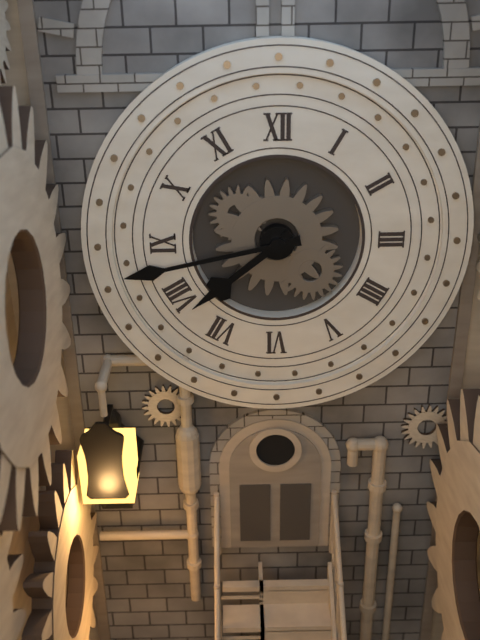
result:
7,43
